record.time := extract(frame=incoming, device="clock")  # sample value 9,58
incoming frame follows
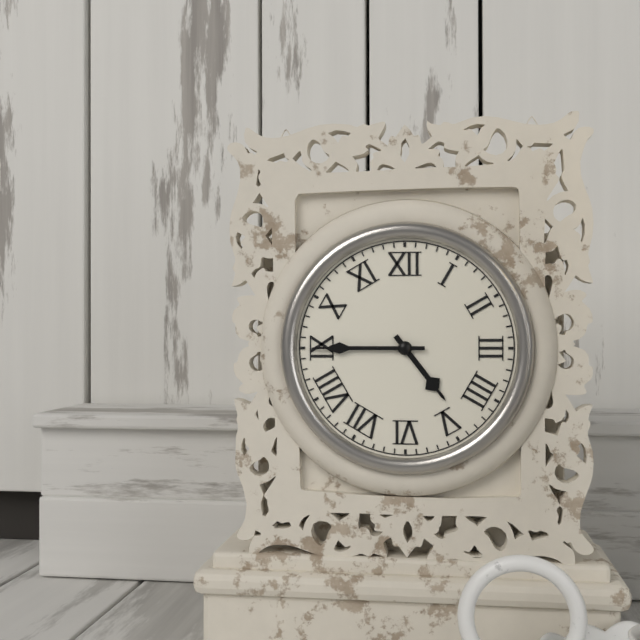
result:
4,45
